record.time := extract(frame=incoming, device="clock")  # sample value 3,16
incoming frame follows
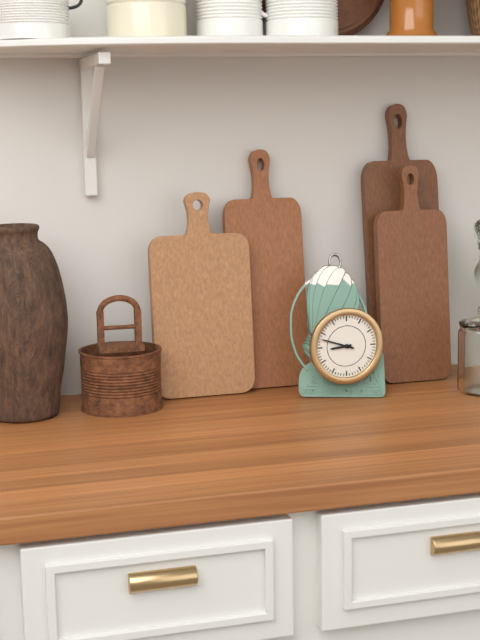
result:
8,48
